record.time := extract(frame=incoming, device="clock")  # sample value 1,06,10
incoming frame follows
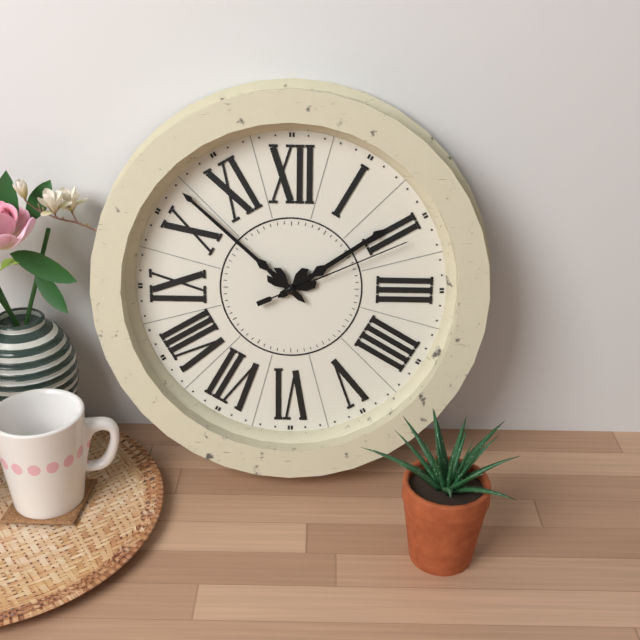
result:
1,52,11
